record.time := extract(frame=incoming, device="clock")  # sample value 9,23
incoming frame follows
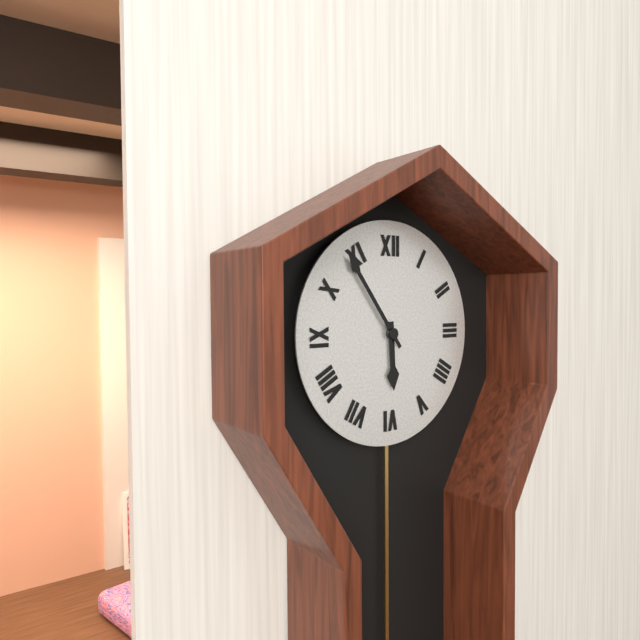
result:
5,54
